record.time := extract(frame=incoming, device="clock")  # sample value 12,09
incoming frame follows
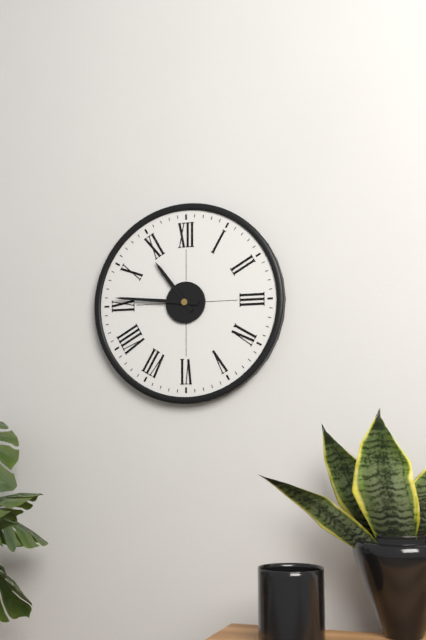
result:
10,46
